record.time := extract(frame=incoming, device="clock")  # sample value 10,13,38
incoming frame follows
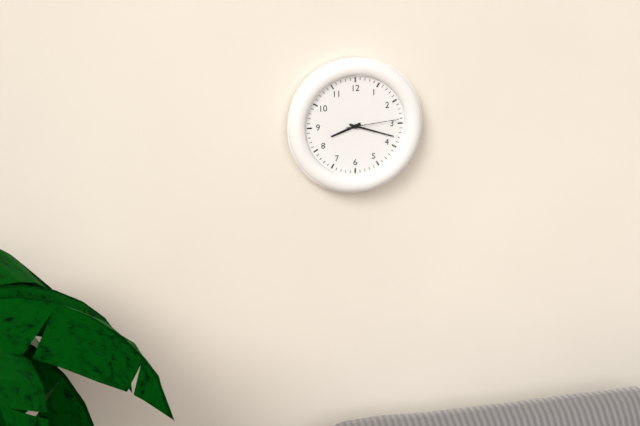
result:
8,18,14
